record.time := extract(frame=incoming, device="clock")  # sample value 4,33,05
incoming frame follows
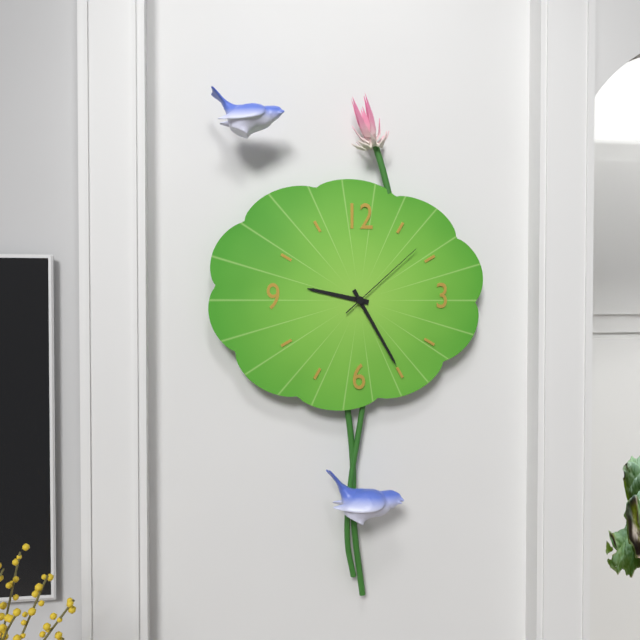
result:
9,25,08
